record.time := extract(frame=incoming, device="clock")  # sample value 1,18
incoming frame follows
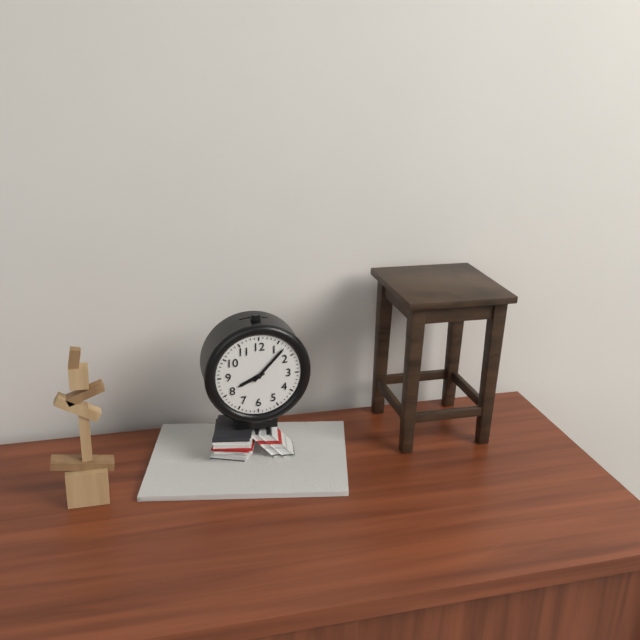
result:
8,07
